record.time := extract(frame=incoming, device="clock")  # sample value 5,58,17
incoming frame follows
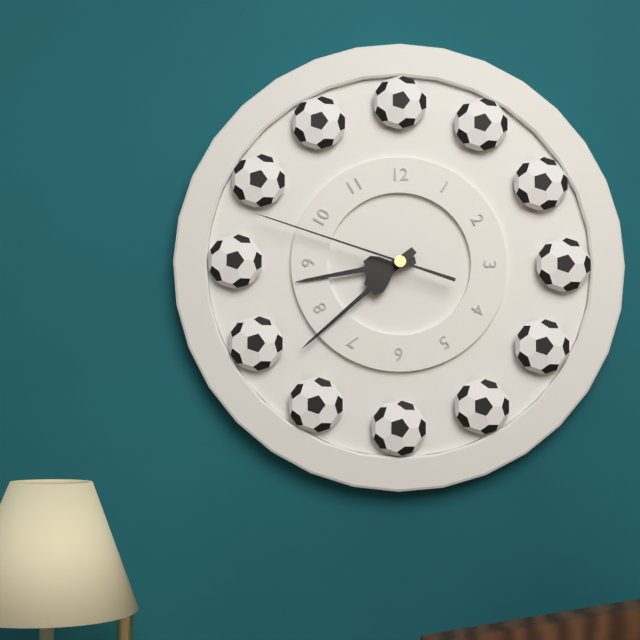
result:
8,38,48
